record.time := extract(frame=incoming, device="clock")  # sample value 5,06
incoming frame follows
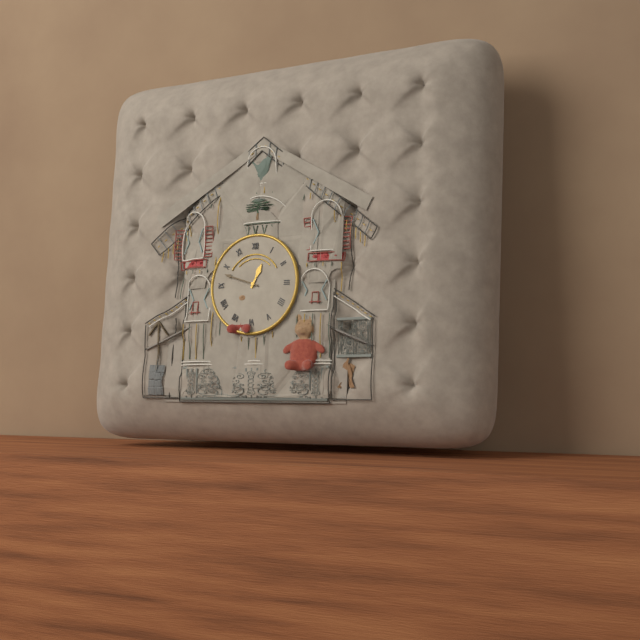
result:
12,48
